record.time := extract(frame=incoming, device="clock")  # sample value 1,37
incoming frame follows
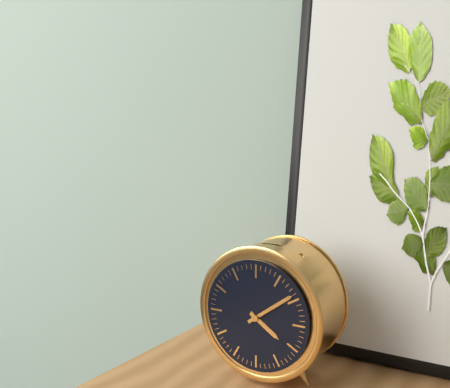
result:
4,09
